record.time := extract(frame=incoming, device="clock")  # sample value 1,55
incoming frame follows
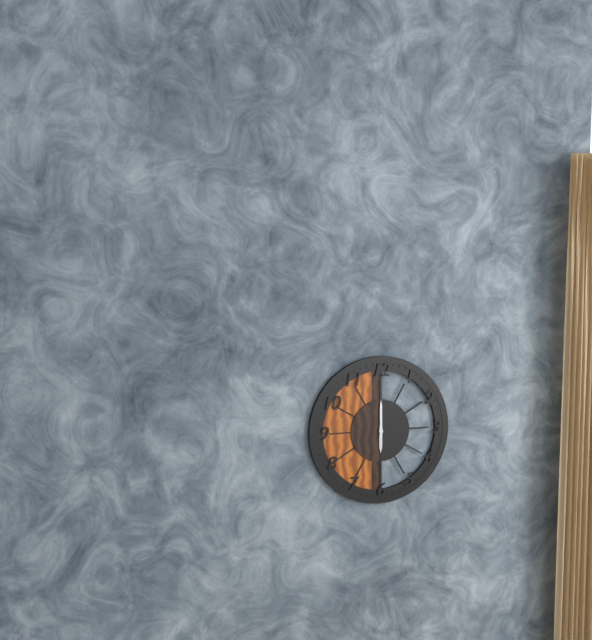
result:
6,00
